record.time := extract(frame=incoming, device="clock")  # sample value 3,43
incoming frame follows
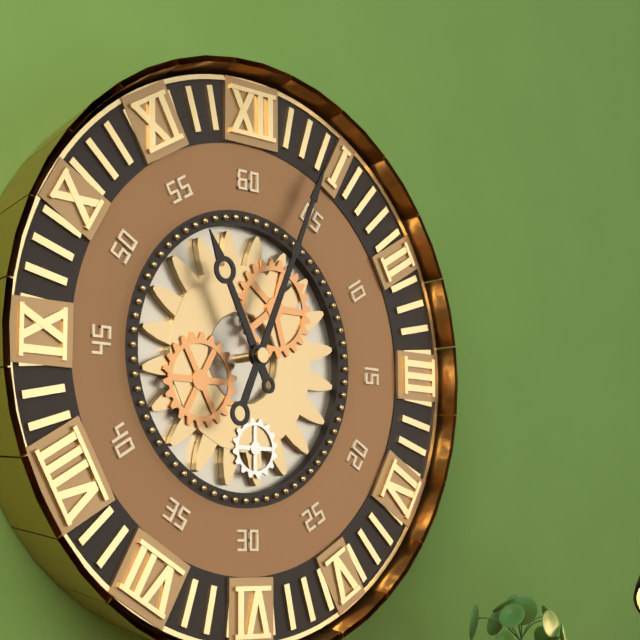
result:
11,04
